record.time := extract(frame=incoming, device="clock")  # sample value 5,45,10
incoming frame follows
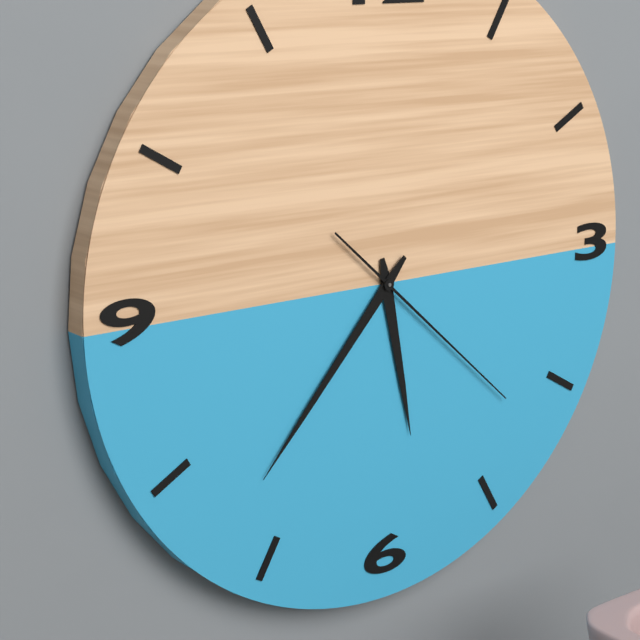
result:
5,37,22
